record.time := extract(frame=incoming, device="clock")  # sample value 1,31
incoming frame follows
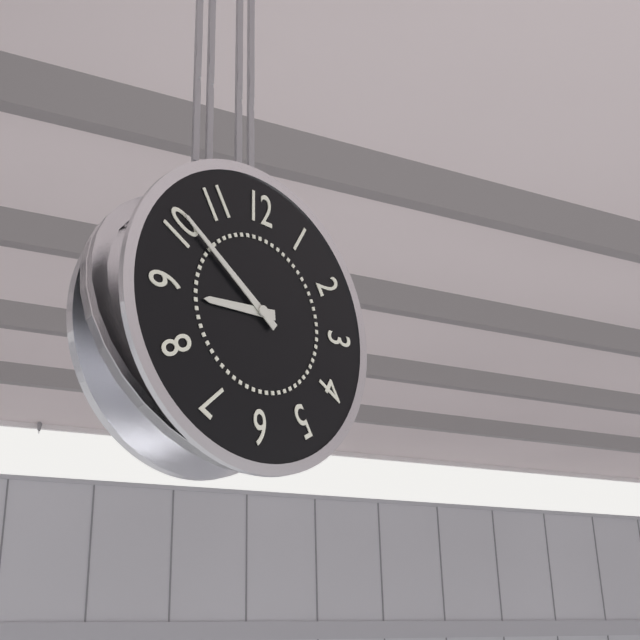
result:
8,51
